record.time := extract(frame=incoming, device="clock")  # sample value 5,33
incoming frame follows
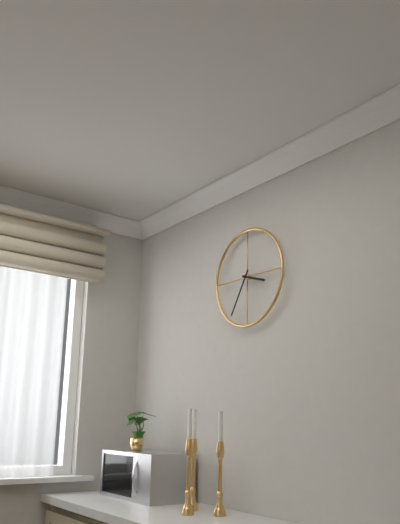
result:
3,35
